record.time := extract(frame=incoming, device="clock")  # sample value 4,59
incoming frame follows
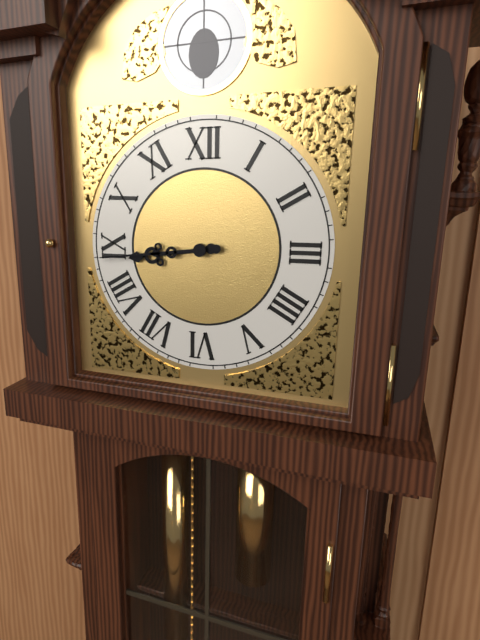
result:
8,44
